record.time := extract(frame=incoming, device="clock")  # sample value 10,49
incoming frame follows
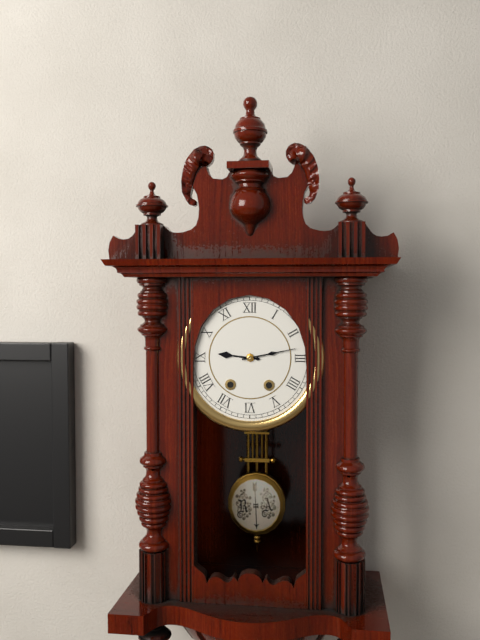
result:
9,13
